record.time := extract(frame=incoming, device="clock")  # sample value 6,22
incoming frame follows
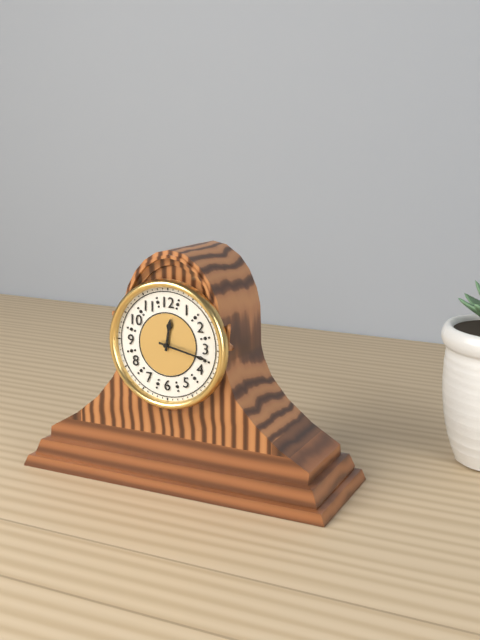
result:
12,17
